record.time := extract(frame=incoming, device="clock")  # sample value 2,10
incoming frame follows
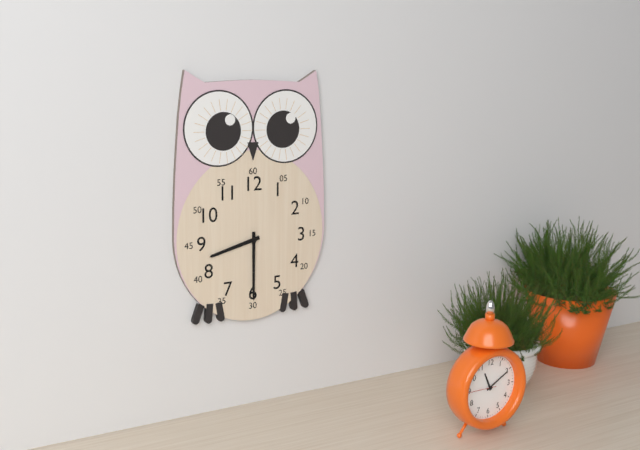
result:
8,30
